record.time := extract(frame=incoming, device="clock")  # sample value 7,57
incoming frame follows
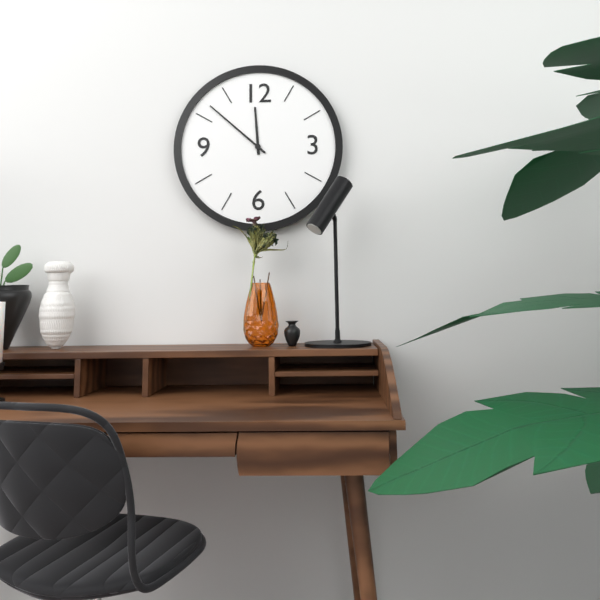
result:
11,52
